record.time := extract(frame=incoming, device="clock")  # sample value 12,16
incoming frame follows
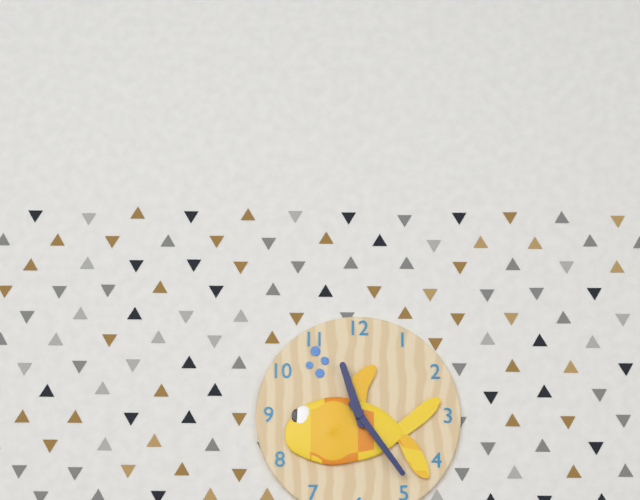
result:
11,24
